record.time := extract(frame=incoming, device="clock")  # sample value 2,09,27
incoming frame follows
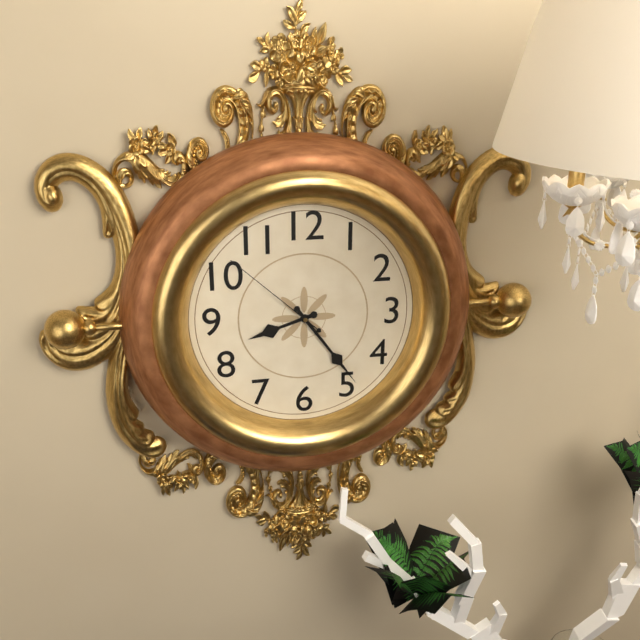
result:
8,24,52
